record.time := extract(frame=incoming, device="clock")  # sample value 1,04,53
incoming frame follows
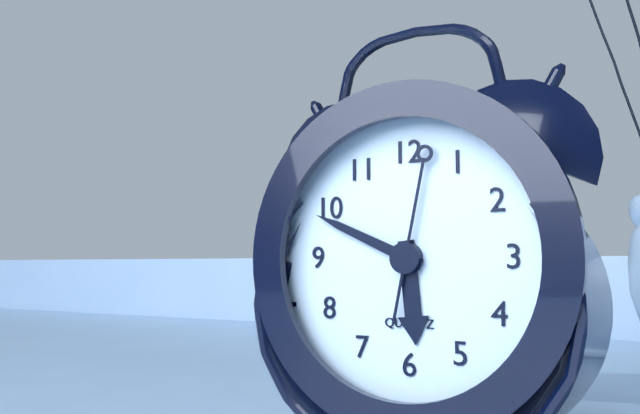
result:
5,49,02
